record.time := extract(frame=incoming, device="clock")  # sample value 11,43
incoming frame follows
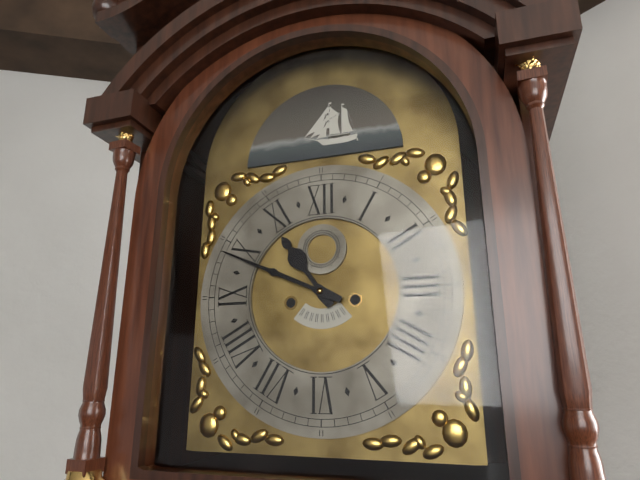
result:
10,49
